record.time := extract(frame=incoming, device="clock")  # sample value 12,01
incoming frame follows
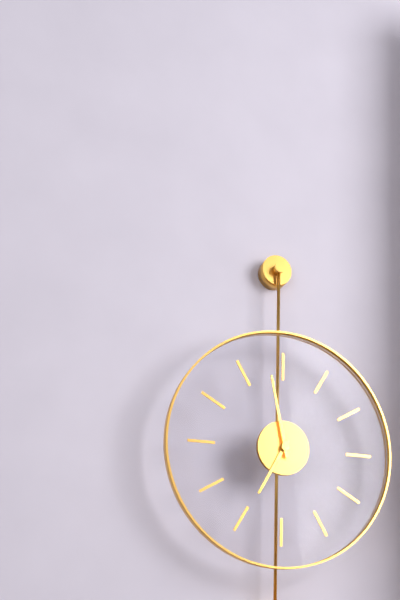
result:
6,58
